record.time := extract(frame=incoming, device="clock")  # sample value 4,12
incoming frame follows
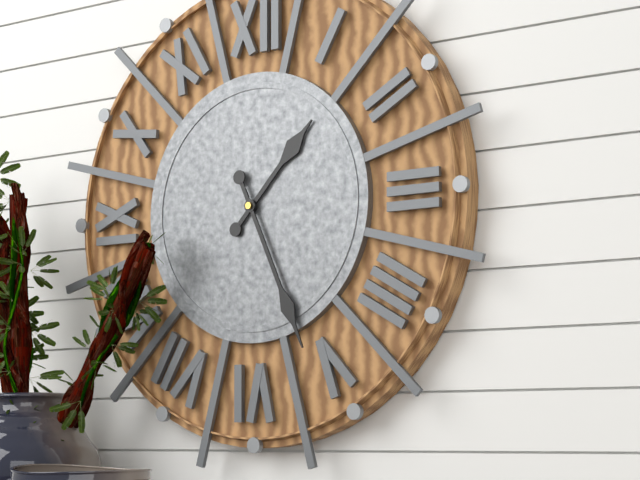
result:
1,26
